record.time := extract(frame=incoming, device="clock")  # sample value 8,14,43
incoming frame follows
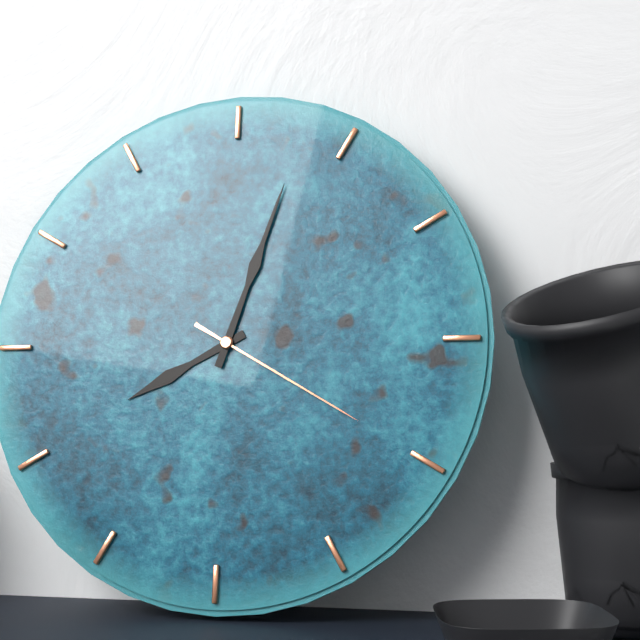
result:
8,03,20
